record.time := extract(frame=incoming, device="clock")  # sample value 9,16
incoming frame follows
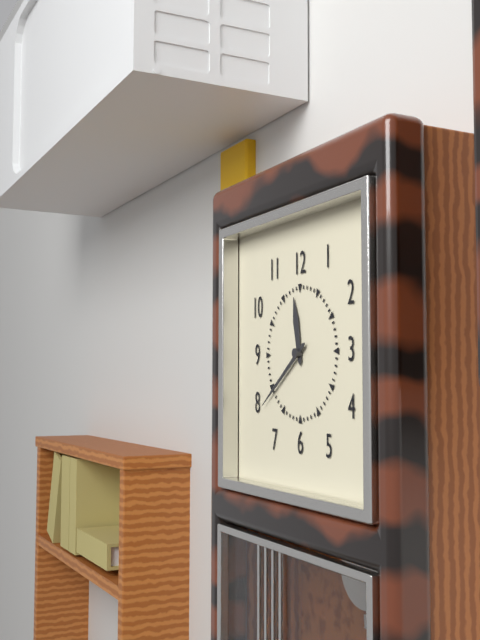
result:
11,39
